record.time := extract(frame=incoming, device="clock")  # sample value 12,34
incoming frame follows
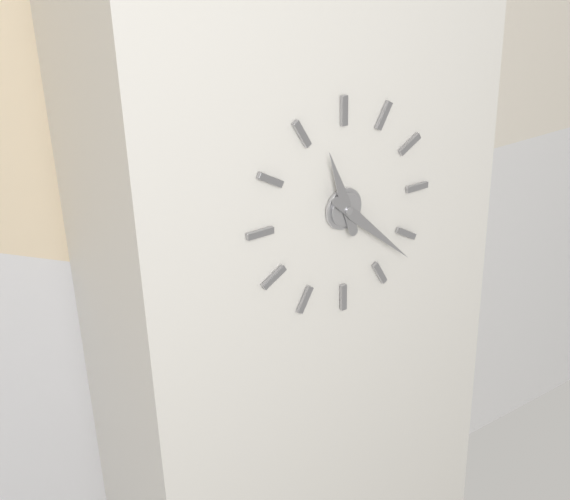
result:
11,22
